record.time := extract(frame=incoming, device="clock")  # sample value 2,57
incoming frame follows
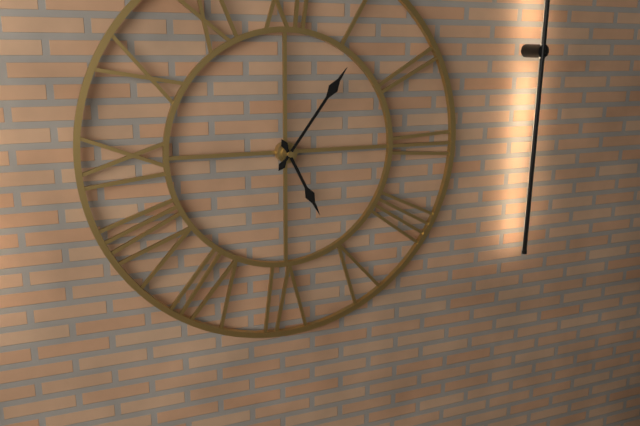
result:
5,06
